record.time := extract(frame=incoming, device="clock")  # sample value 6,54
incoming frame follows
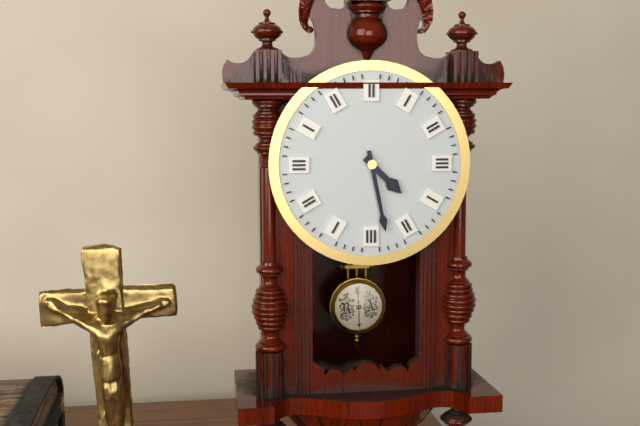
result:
4,28
